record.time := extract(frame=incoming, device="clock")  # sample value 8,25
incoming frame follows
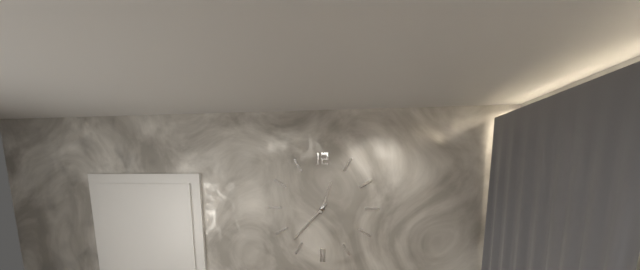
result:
12,37
